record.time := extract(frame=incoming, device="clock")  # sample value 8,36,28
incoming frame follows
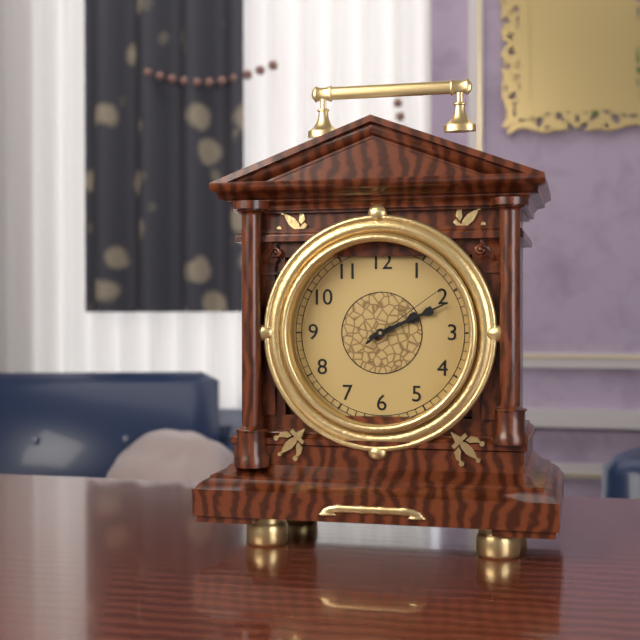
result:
2,11,09
